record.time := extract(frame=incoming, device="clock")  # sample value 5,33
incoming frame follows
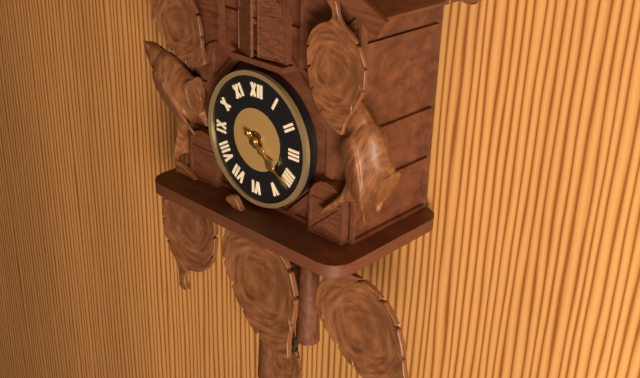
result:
4,21
